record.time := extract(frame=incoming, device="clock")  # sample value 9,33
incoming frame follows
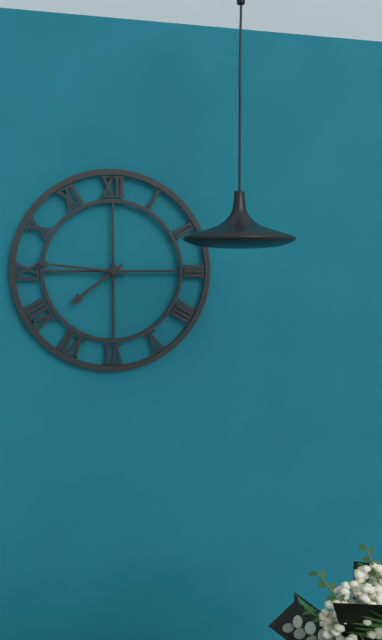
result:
7,46
